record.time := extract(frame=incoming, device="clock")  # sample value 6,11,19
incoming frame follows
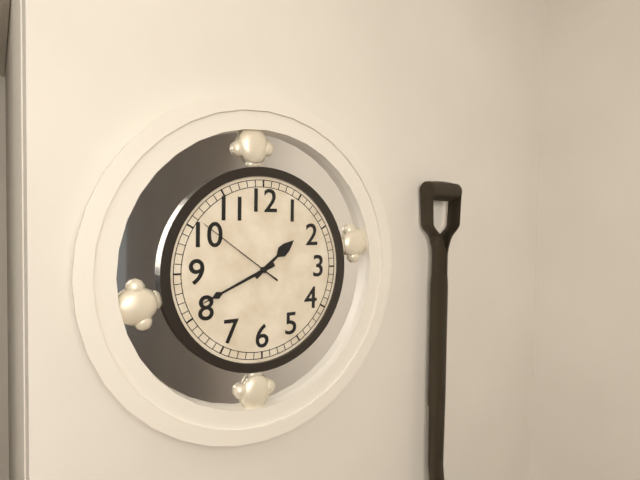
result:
1,41,51
